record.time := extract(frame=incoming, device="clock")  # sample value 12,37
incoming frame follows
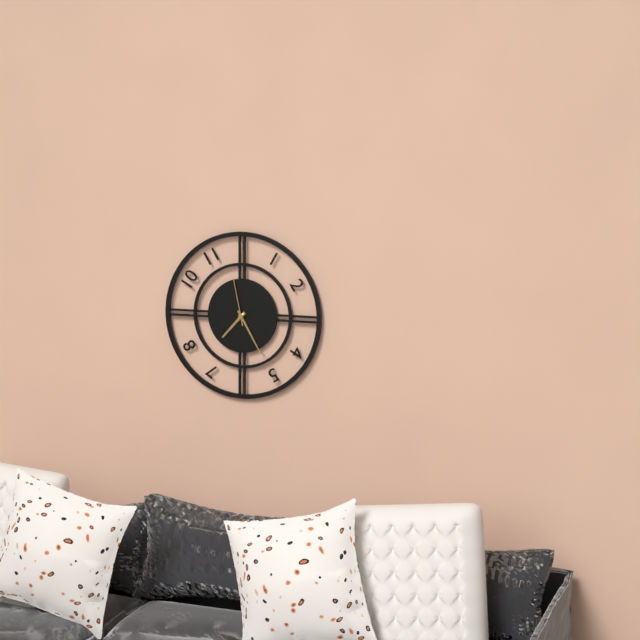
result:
7,25
